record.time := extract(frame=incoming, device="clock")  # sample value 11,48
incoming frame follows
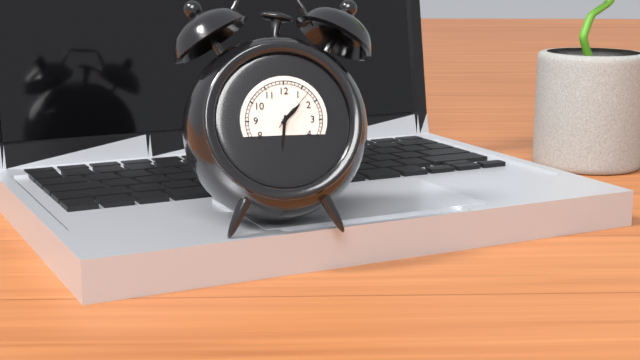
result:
1,31
